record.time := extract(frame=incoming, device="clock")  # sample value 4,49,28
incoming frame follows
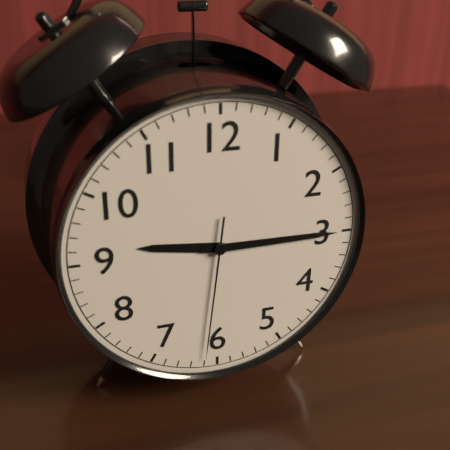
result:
9,15,31
